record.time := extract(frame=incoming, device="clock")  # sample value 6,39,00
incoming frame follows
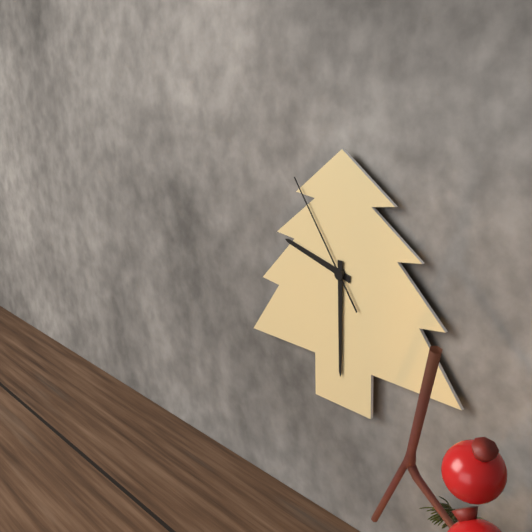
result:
9,30,54
